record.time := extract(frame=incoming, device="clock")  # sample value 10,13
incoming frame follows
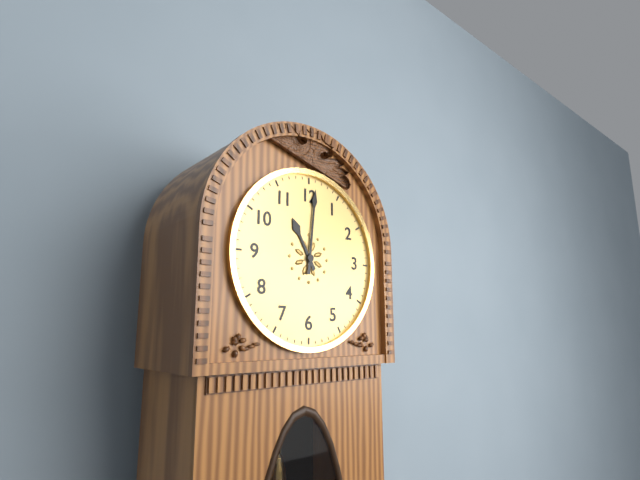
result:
11,01
